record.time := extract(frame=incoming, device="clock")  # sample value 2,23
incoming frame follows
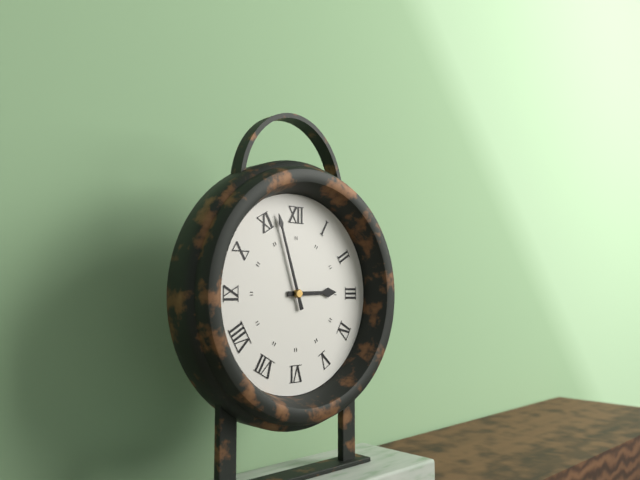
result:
2,57
